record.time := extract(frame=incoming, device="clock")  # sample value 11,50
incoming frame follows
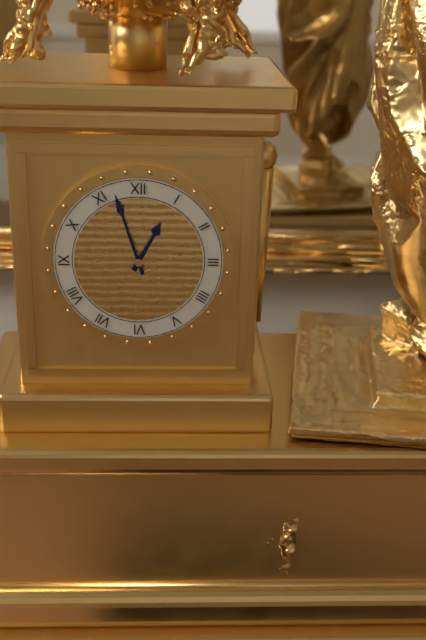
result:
12,57
